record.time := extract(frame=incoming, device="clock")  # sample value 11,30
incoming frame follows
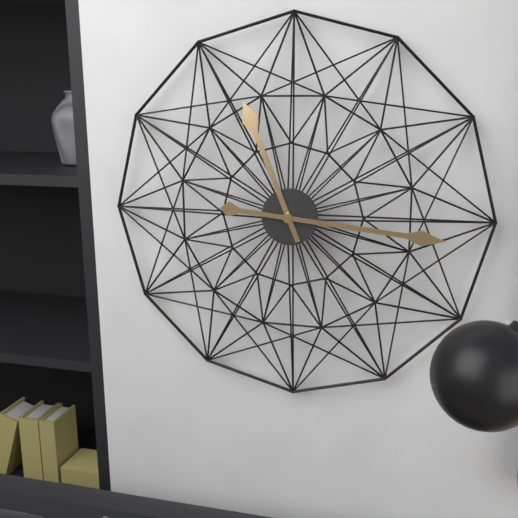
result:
11,16
